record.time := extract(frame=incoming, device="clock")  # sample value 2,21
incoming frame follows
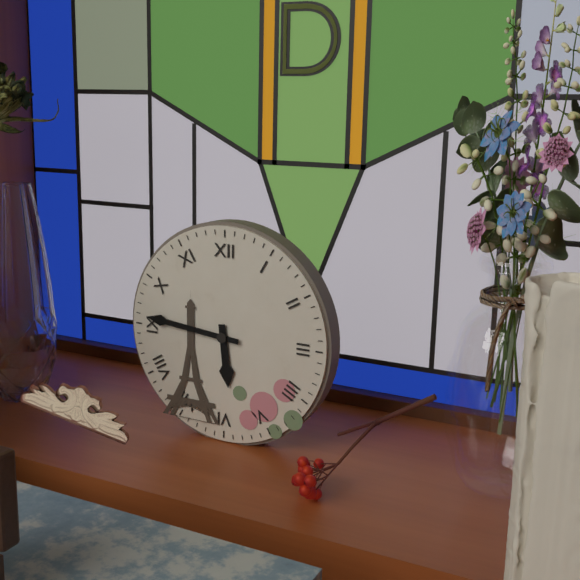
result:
5,46
